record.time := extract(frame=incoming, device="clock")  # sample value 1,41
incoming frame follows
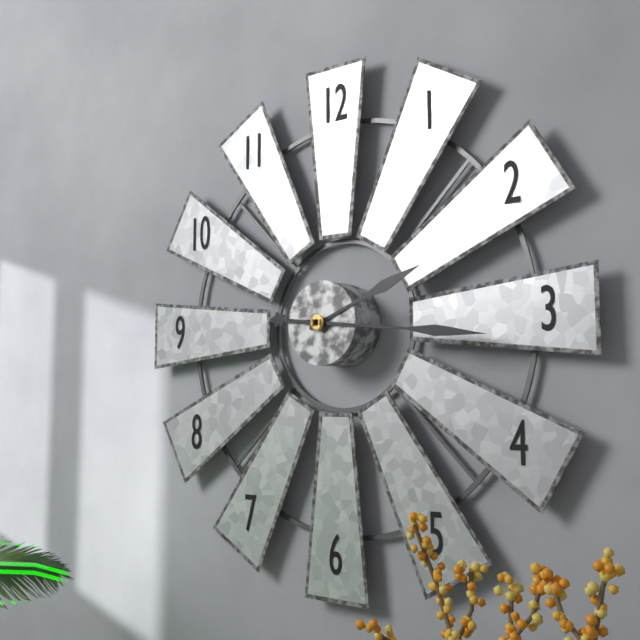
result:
2,16
